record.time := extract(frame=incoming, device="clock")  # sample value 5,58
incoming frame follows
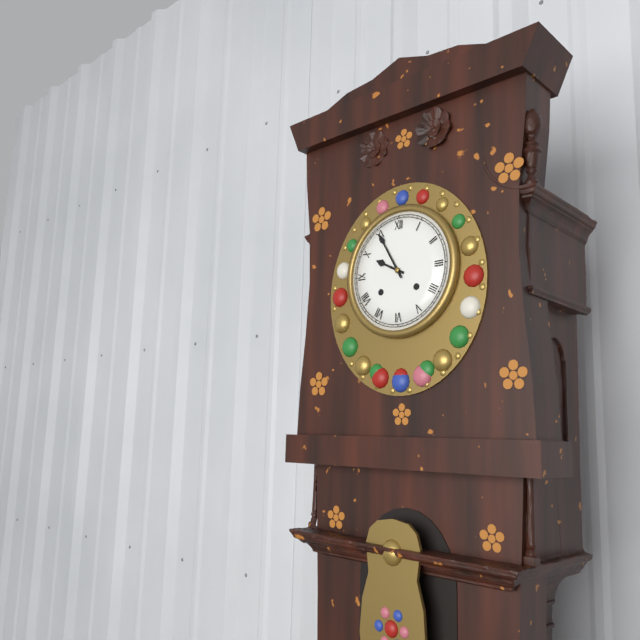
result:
9,55
